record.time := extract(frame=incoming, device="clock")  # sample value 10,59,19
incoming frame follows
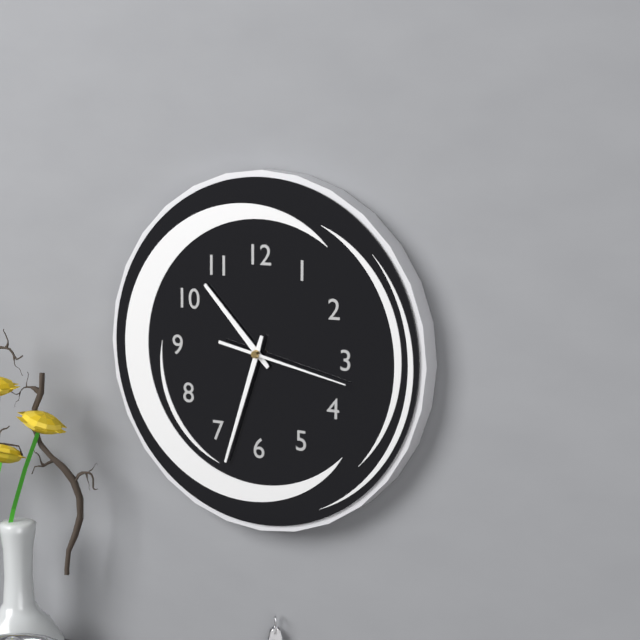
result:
10,33,17
